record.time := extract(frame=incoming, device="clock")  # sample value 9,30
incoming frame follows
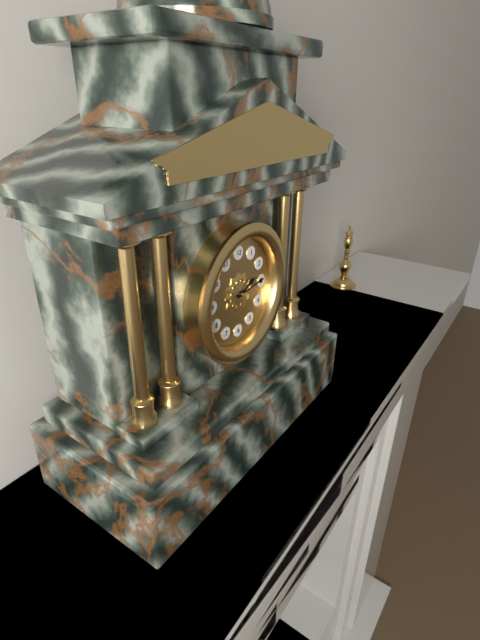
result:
2,14
